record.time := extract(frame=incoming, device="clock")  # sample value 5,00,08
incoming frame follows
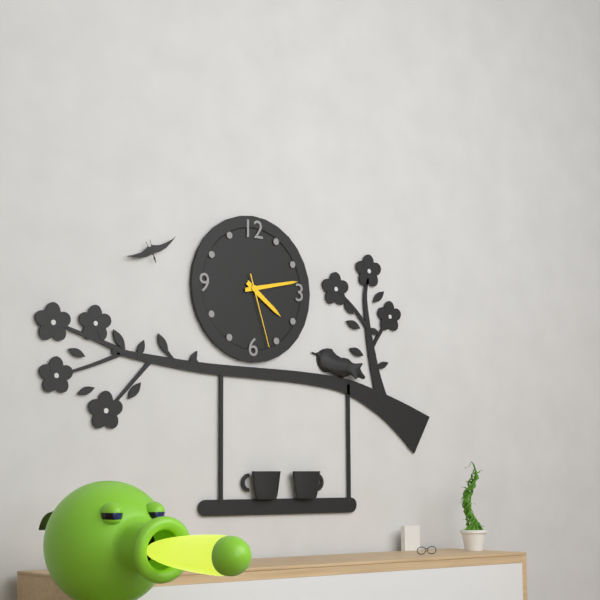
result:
4,13,27
